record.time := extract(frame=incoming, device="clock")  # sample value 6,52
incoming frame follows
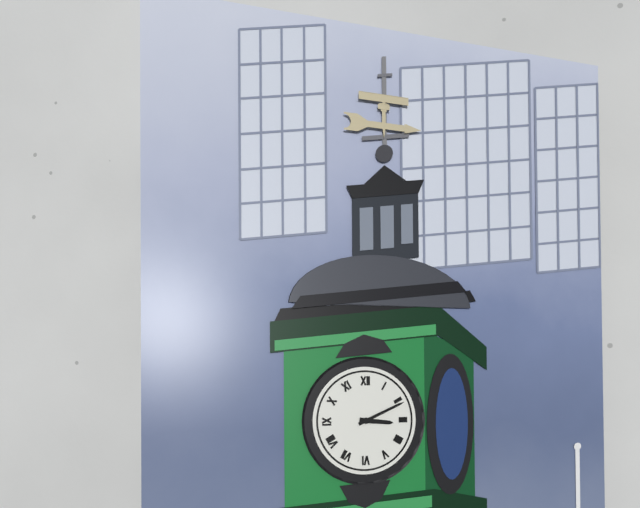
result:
3,11
